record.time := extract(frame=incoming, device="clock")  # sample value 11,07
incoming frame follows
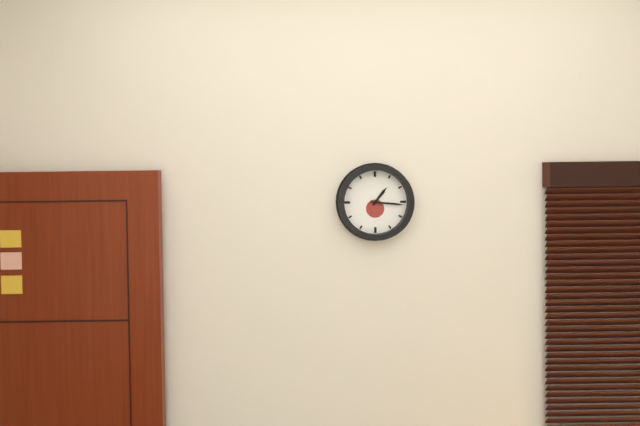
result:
1,16
